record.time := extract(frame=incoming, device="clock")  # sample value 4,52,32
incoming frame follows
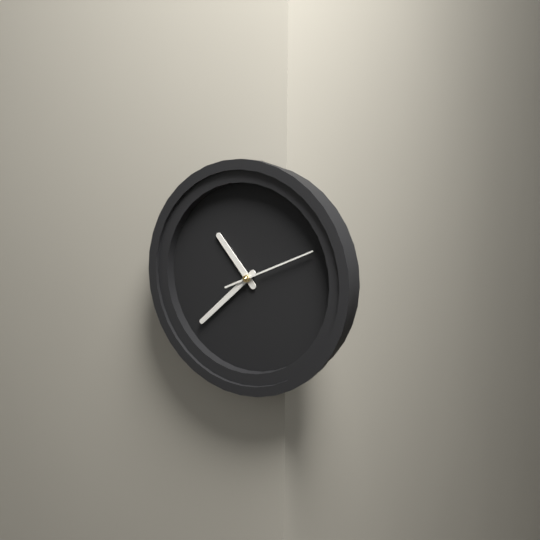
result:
10,38,11
